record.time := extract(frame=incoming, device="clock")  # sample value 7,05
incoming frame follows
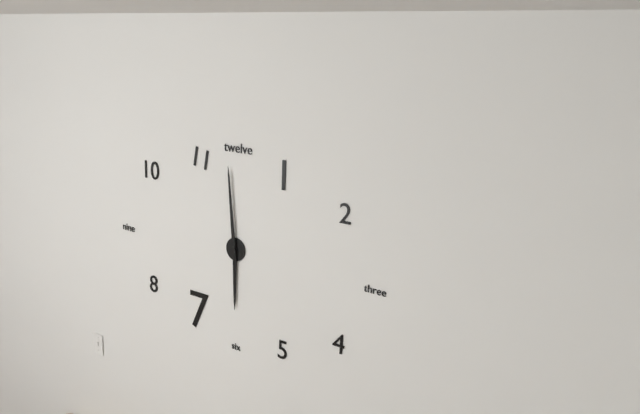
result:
5,59
